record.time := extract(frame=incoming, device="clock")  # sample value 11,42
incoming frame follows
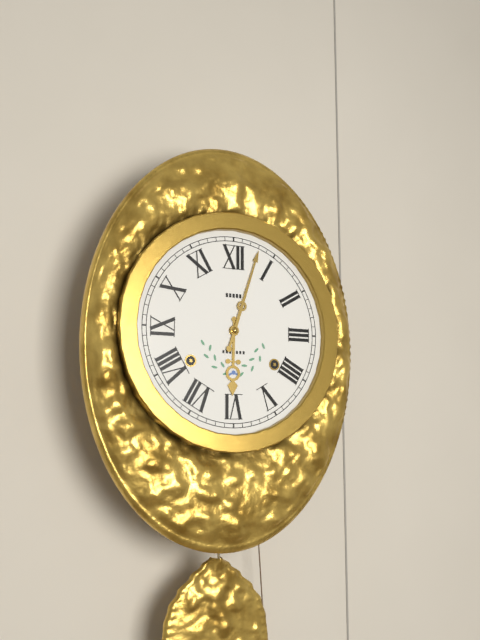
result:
6,03
